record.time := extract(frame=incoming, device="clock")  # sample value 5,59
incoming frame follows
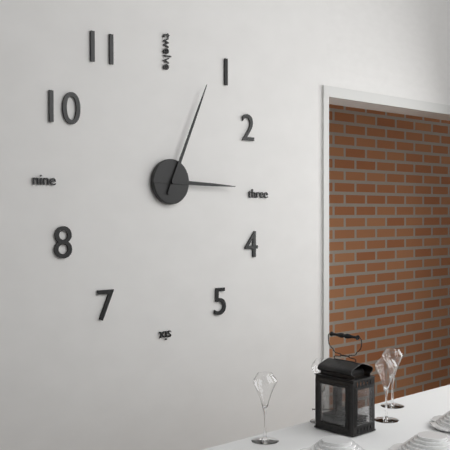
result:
3,04
